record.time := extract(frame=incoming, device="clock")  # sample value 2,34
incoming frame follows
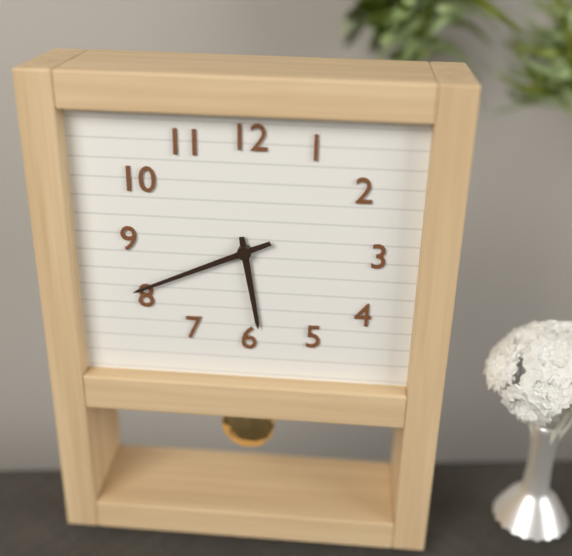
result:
5,41
